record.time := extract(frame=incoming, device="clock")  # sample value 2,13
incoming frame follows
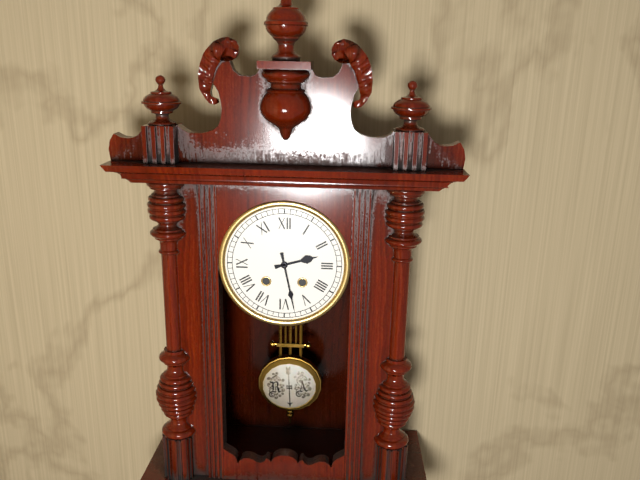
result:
2,28
